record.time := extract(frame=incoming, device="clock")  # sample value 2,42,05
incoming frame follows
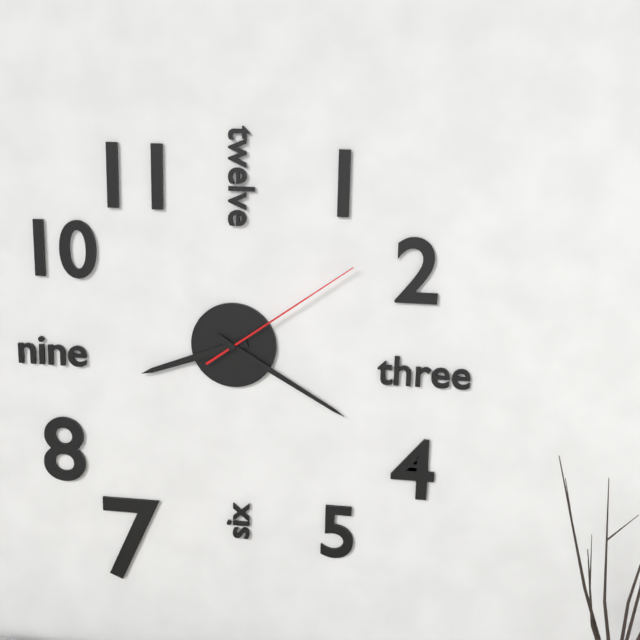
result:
8,20,09
